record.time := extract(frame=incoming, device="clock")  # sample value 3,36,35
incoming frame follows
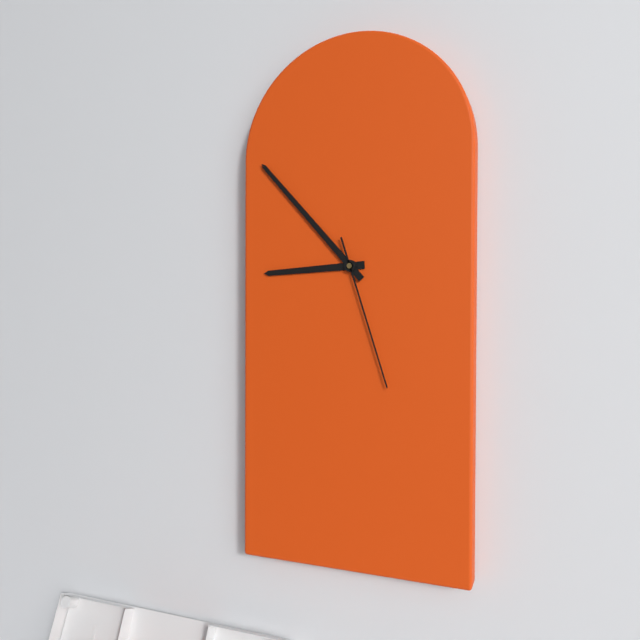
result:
8,53,27
